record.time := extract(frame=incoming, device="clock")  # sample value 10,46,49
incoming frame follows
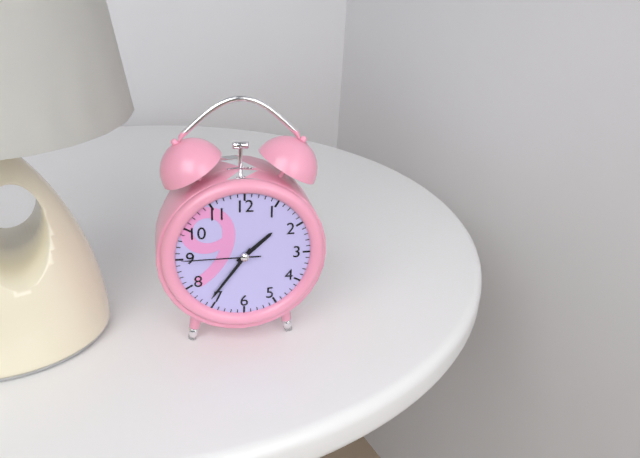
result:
1,36,45
